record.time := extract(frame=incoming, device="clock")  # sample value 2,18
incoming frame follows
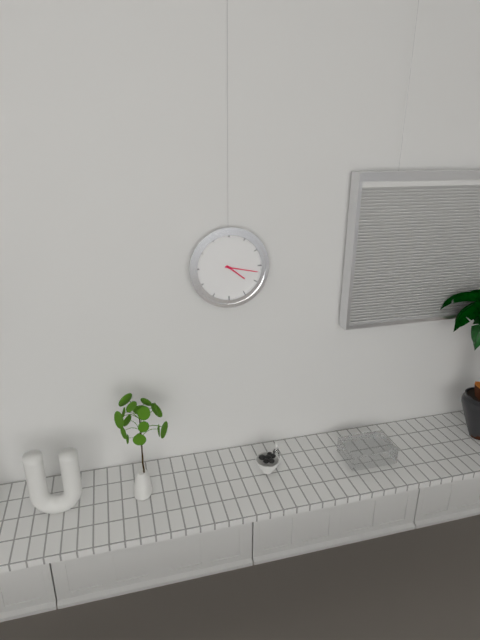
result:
4,17
